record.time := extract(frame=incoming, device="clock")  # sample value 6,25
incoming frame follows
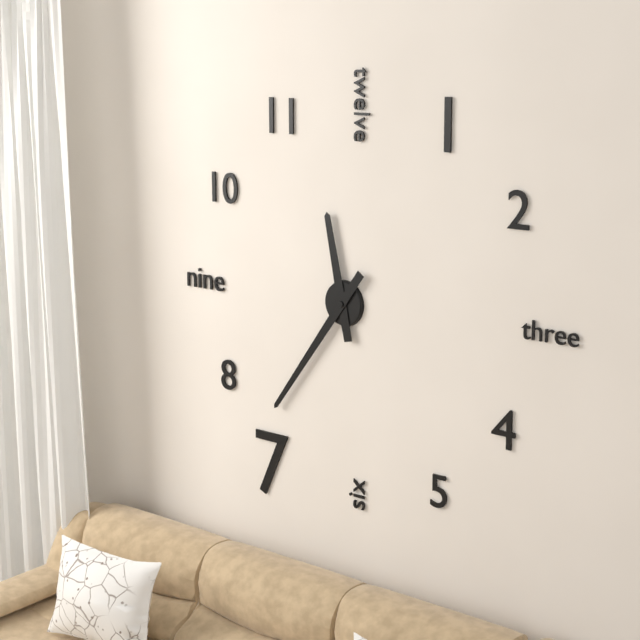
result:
11,36
